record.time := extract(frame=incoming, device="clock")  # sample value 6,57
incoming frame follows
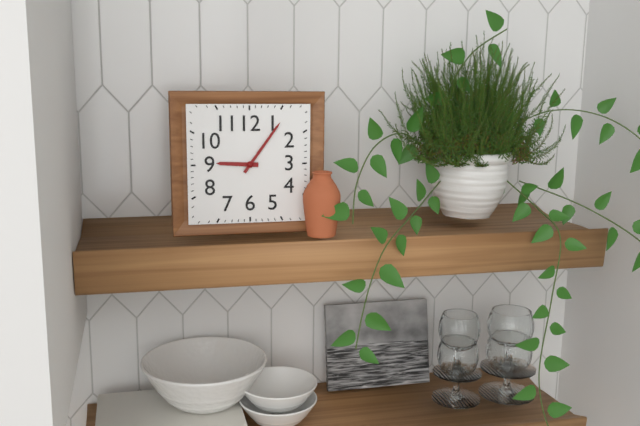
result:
9,06
